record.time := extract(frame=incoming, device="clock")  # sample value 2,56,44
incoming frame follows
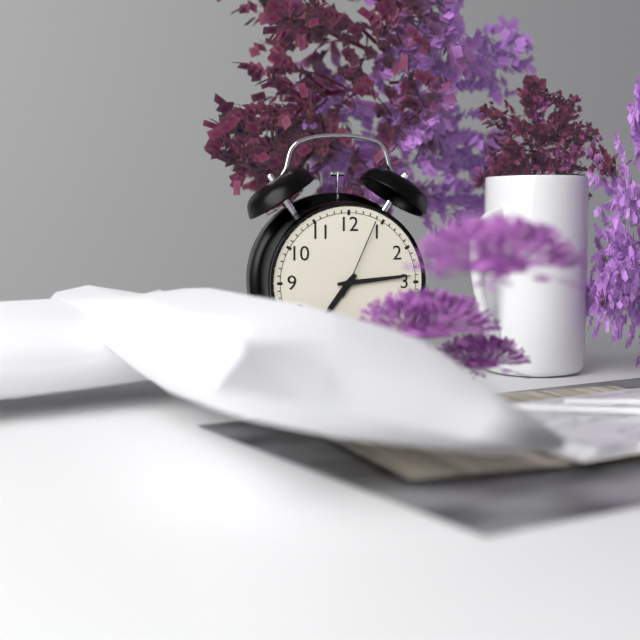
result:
7,14,04
